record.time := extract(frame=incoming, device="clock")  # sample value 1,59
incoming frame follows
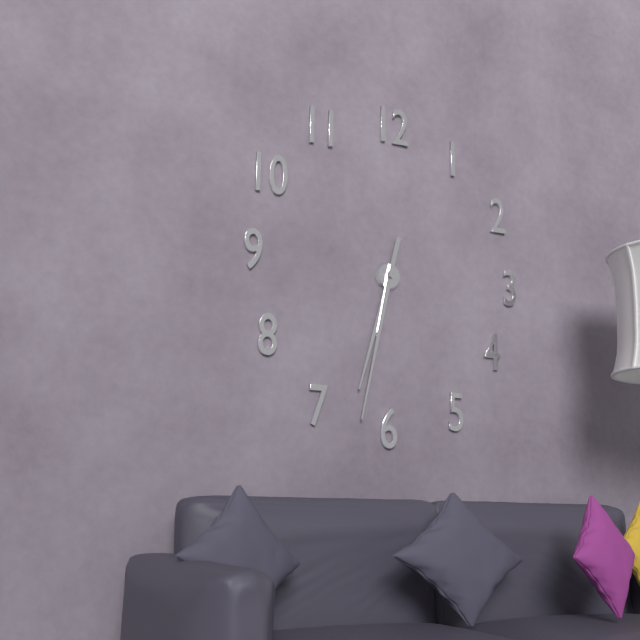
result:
6,32
